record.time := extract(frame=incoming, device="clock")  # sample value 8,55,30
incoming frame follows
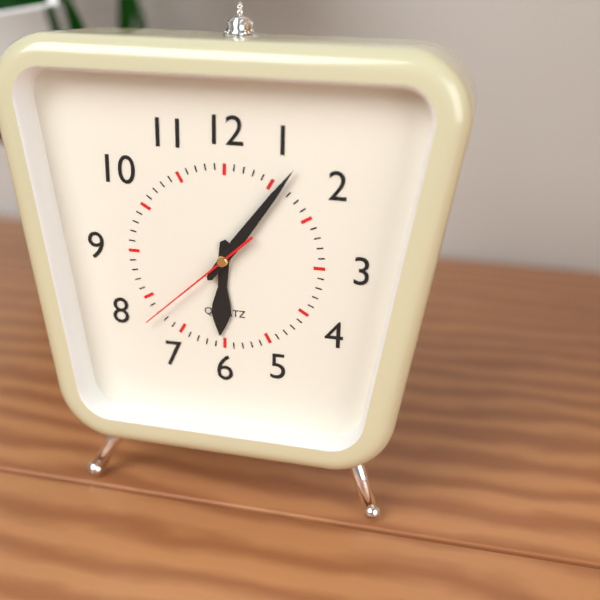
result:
6,06,38
